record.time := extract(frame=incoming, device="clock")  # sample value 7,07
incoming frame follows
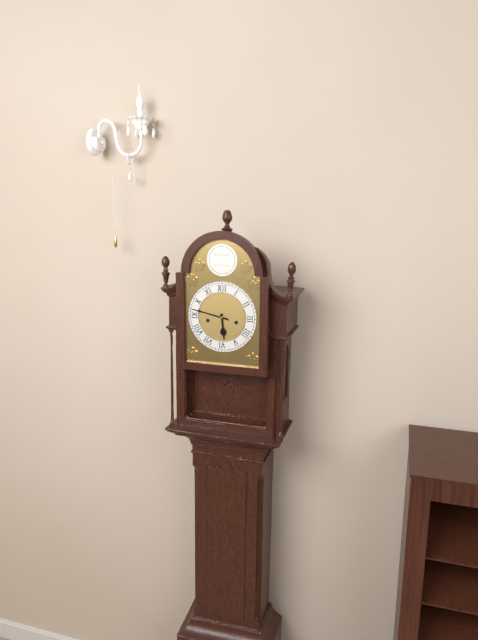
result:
5,47
